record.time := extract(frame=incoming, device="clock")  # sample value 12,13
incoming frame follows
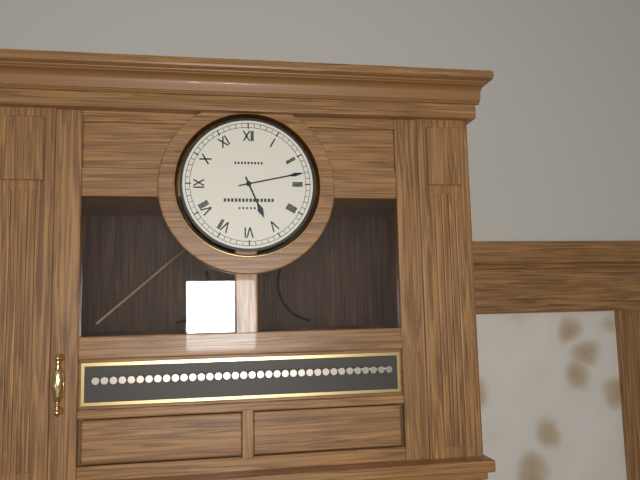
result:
5,13
